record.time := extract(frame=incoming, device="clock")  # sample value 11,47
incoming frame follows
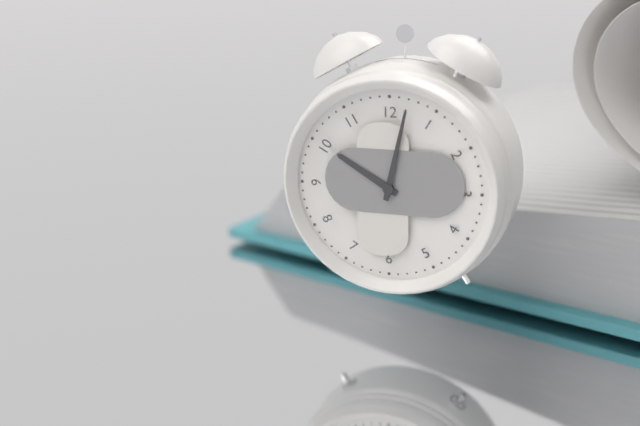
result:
10,02
